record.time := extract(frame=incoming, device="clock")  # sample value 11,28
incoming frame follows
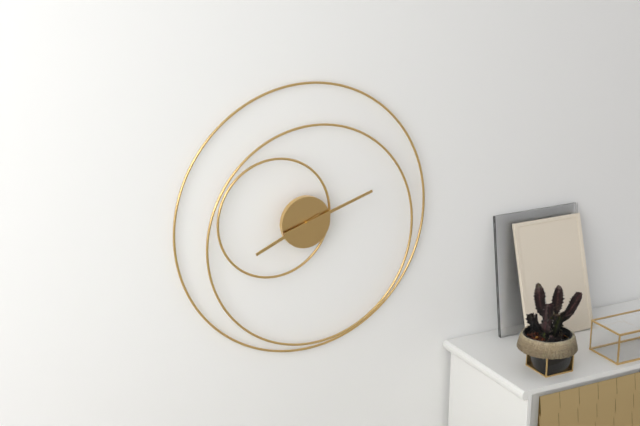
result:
8,12
